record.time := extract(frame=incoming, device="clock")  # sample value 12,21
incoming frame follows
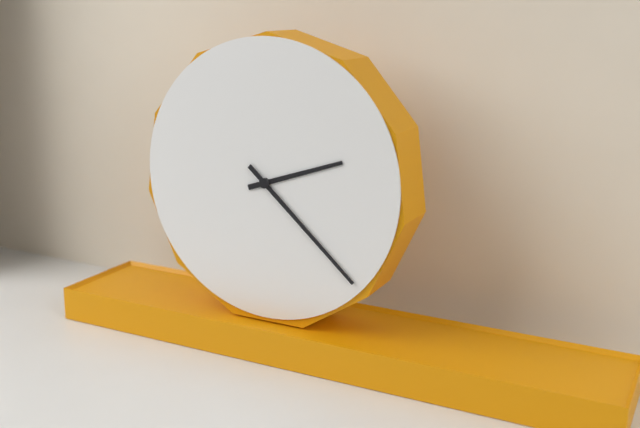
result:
2,22
